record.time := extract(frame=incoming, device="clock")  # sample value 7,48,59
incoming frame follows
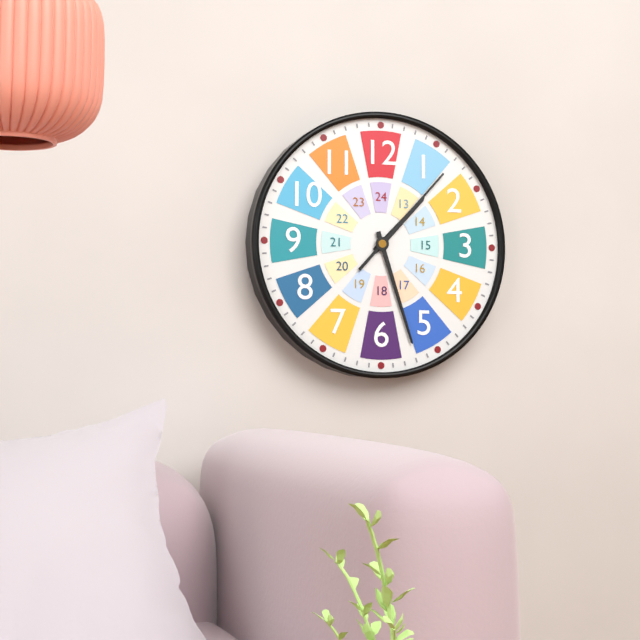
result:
1,27,07
